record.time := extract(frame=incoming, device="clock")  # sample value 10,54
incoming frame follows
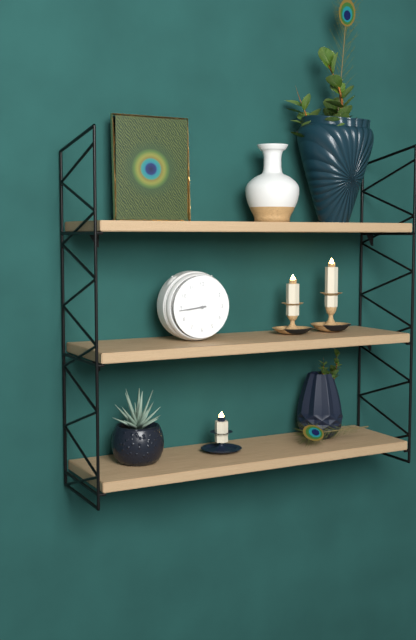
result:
8,44
